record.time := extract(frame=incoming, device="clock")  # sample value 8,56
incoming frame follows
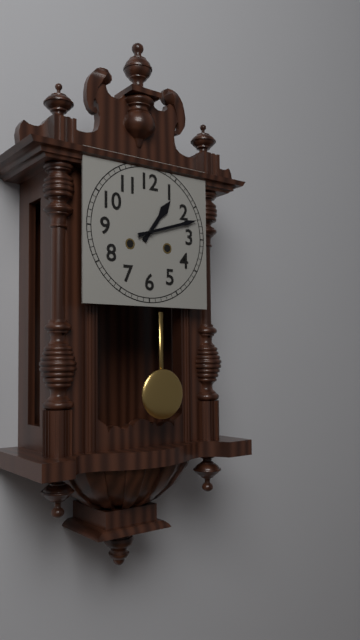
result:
1,12
